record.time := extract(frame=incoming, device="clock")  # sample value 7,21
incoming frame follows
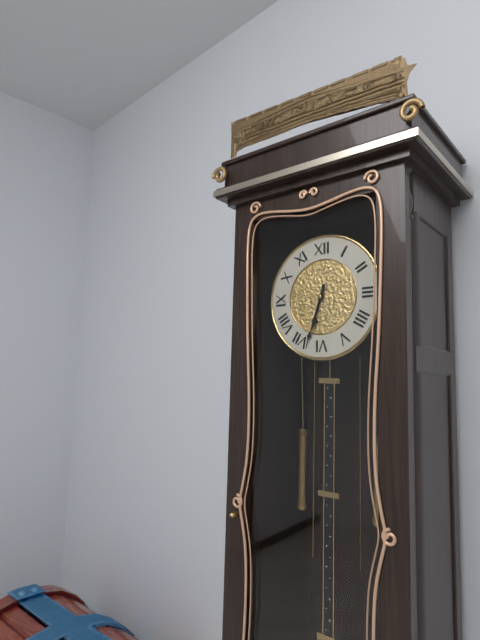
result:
6,33
